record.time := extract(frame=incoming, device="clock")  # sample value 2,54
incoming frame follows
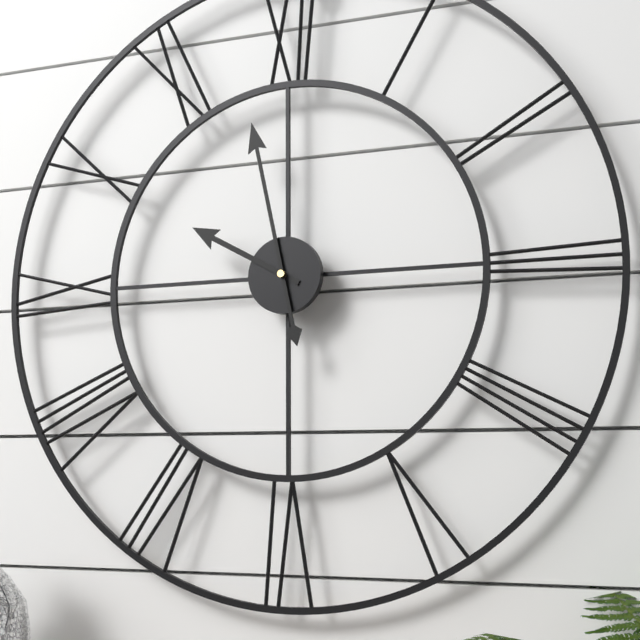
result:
9,58
